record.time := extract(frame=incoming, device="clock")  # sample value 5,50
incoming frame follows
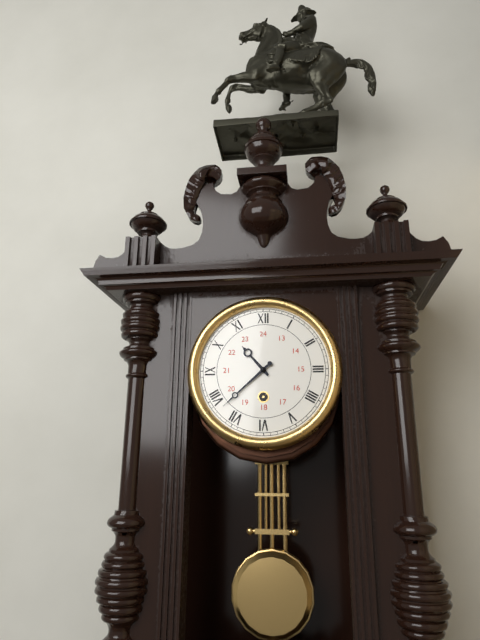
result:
10,38
